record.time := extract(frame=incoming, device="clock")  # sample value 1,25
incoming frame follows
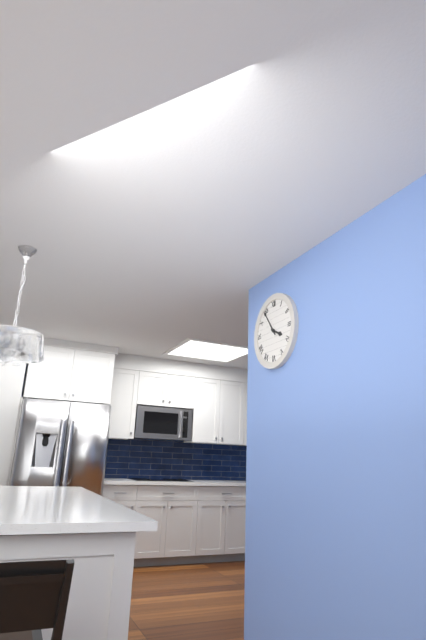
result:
3,54
